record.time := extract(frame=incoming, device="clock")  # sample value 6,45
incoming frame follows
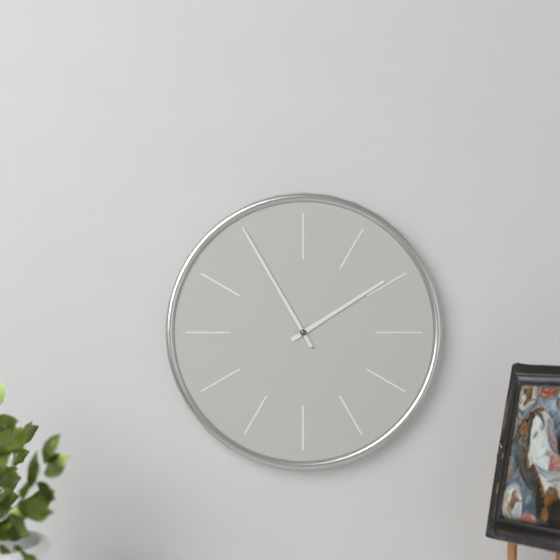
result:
1,55
